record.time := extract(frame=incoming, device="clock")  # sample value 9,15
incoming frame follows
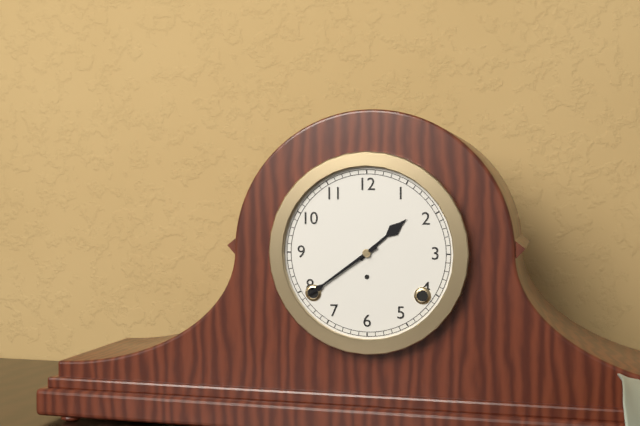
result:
1,39
